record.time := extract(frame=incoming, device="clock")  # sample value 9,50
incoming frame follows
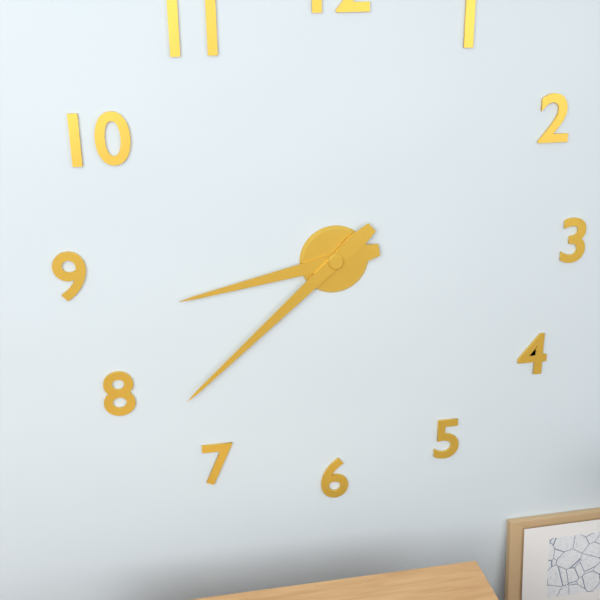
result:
8,38
